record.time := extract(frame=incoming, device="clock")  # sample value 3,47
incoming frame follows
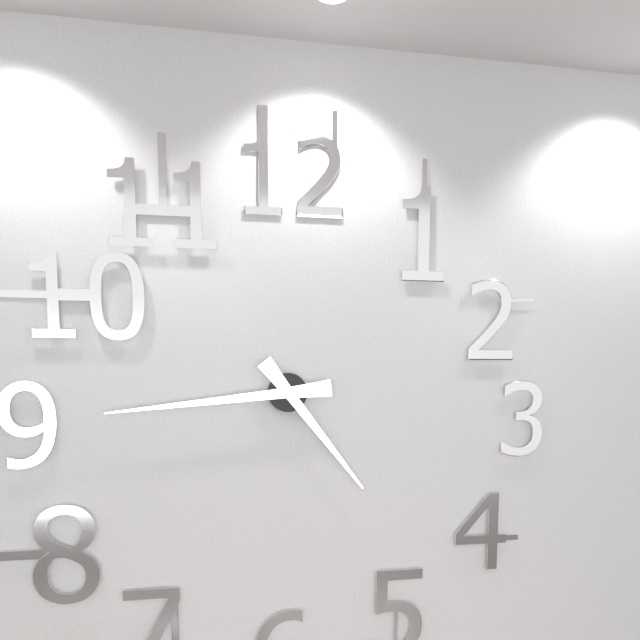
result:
4,44
